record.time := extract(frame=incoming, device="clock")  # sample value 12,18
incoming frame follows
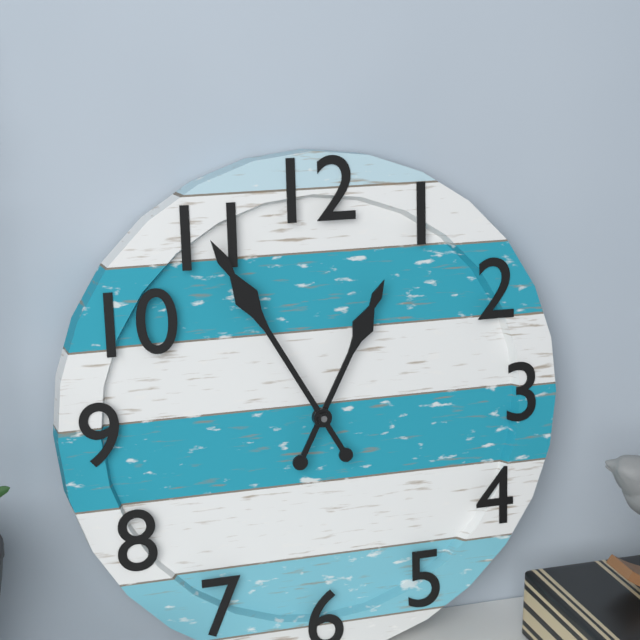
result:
12,55
